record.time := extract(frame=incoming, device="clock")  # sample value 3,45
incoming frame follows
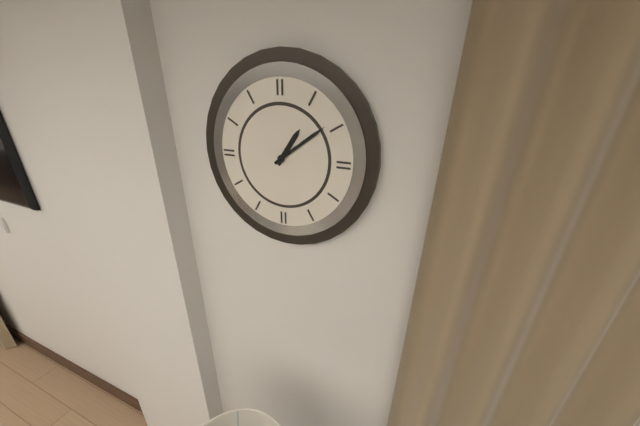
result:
1,09
